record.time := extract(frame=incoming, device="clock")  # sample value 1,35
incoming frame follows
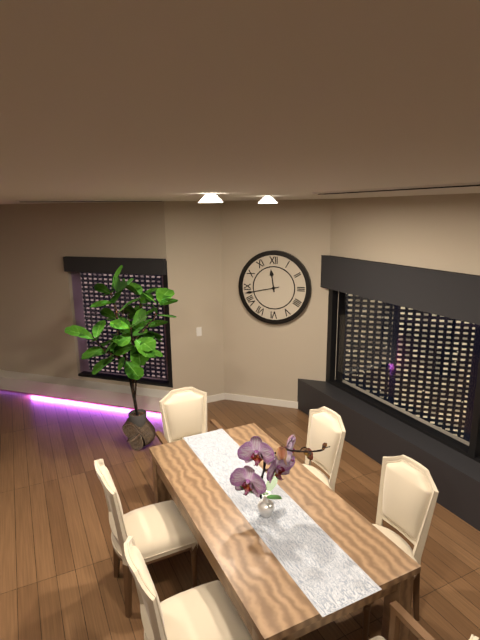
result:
11,43
